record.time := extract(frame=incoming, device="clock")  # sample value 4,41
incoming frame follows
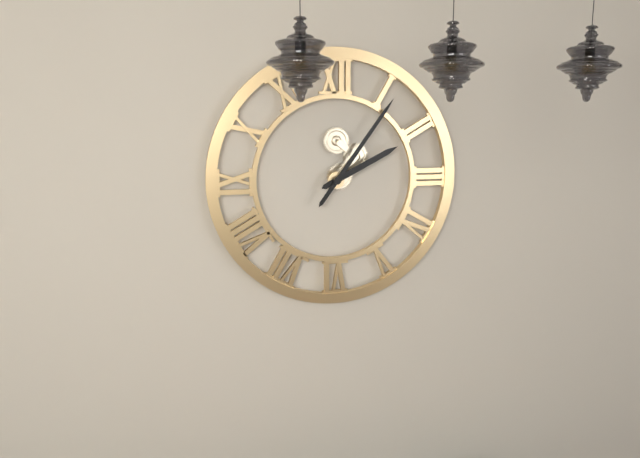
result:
2,06
